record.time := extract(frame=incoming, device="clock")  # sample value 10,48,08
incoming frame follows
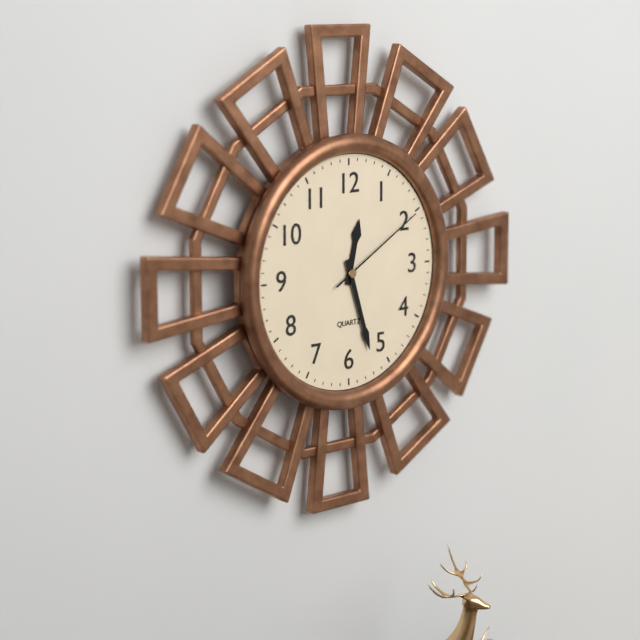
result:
12,27,10
